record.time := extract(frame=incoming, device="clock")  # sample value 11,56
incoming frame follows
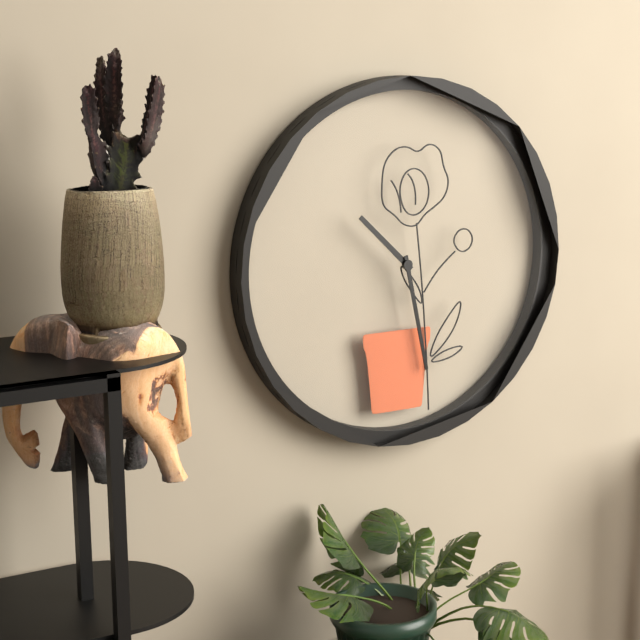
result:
10,28
